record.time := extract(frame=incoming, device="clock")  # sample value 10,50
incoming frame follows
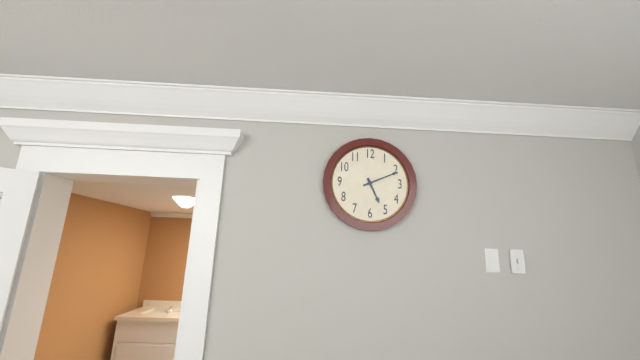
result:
5,11
